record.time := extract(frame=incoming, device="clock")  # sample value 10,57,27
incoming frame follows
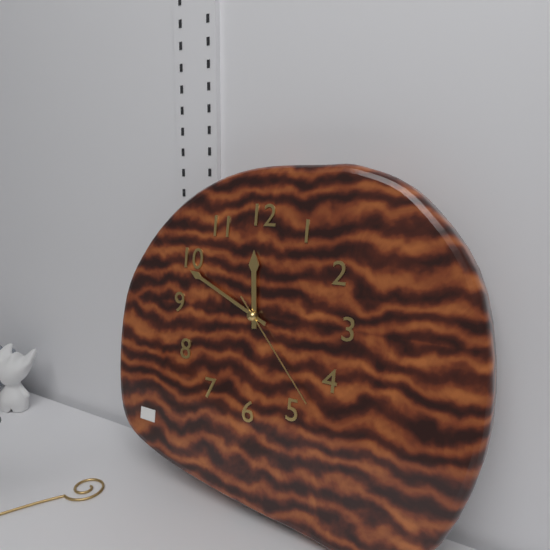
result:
11,49,23
